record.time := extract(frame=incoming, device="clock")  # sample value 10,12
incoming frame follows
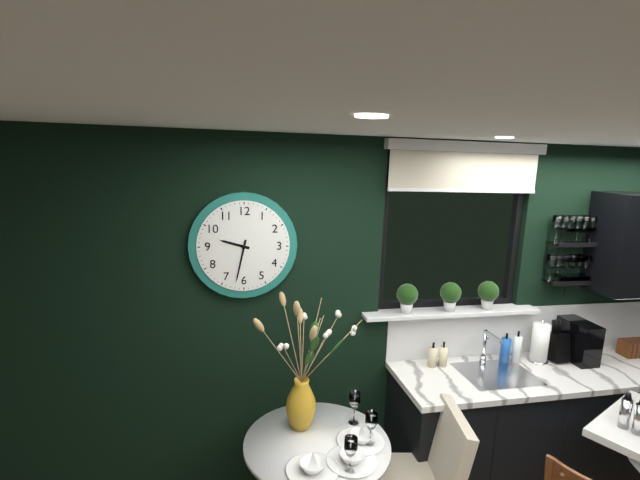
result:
9,32
